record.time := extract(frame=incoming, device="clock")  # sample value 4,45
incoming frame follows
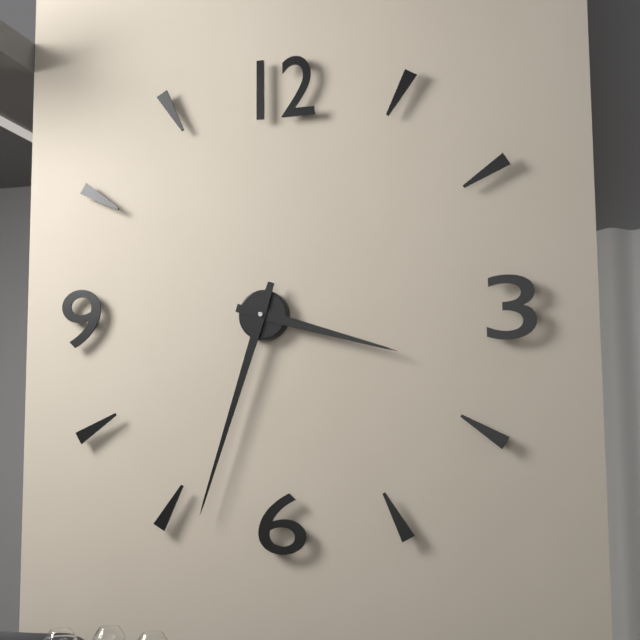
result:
3,33
